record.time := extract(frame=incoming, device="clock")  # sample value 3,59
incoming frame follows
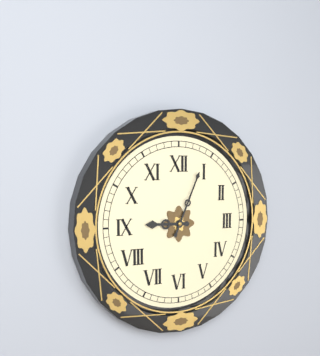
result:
9,04
